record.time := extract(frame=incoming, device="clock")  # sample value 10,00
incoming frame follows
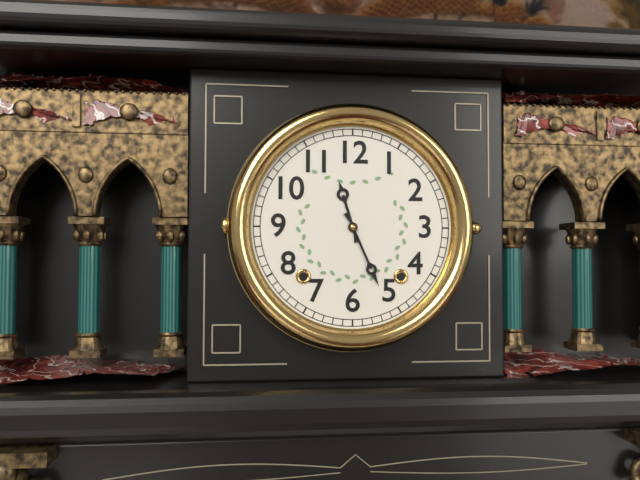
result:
11,26
